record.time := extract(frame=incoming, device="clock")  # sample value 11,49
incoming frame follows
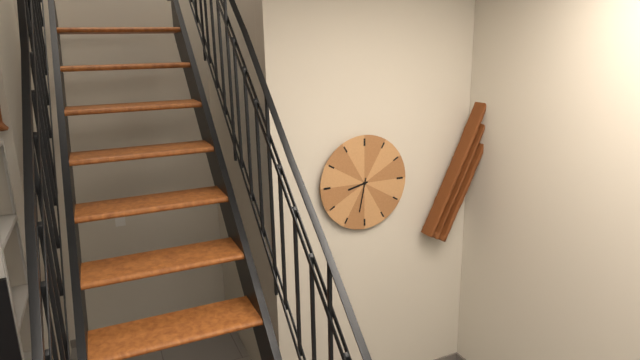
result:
8,32
